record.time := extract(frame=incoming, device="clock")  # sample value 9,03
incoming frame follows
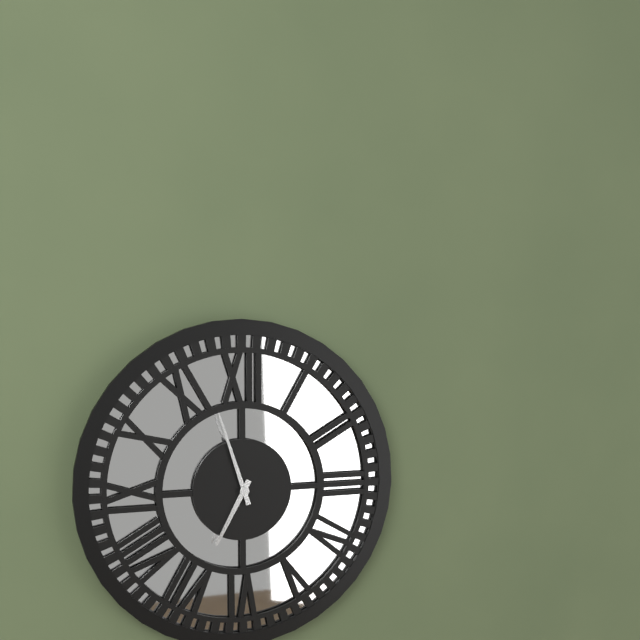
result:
6,57
